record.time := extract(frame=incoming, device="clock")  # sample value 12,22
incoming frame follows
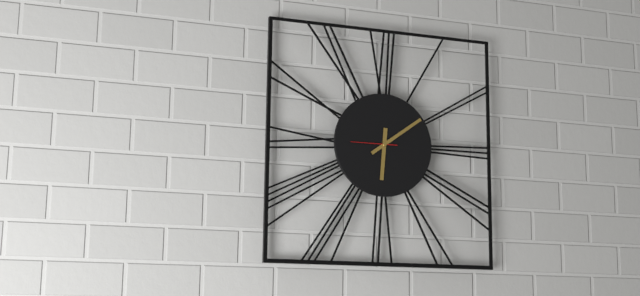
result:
6,09
